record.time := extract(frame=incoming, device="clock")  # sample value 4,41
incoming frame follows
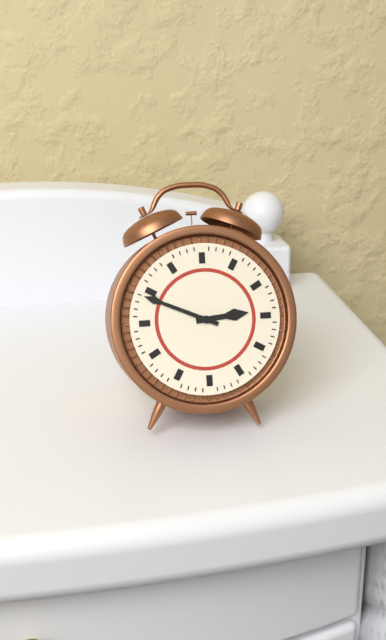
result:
2,49
